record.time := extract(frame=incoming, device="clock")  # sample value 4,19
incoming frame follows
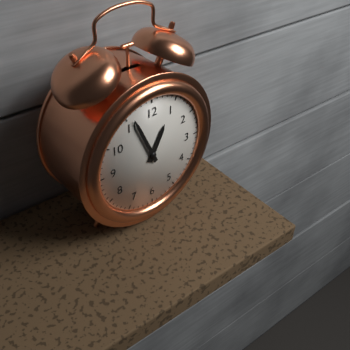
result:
12,56
